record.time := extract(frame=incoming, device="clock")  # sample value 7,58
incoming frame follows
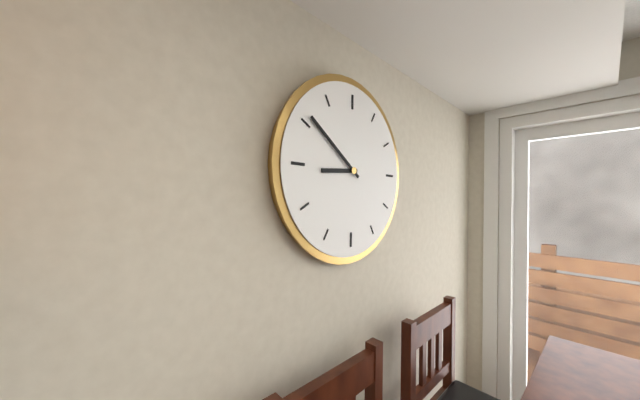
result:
8,51
